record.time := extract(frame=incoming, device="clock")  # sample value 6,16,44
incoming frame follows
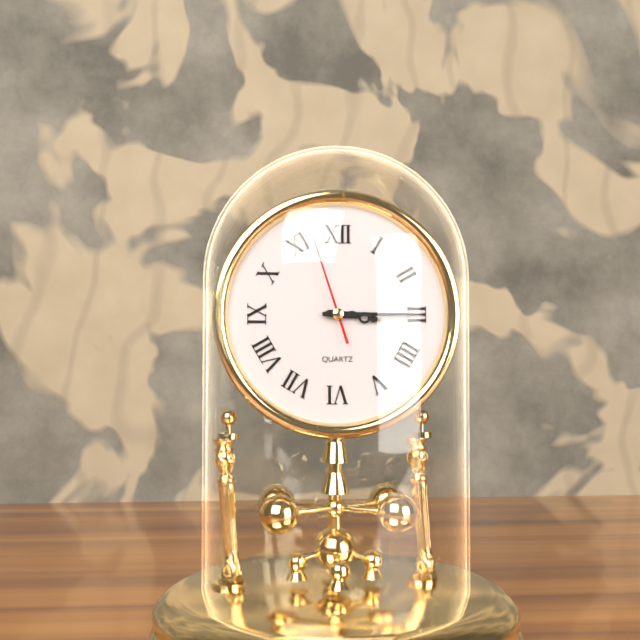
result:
3,15,57
